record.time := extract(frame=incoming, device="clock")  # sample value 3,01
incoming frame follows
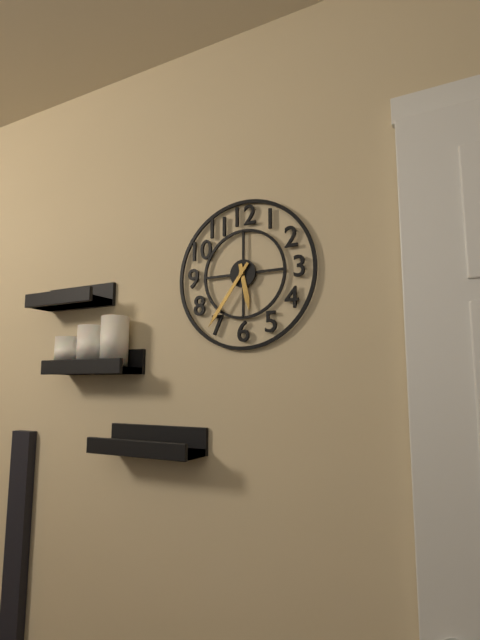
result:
5,36
